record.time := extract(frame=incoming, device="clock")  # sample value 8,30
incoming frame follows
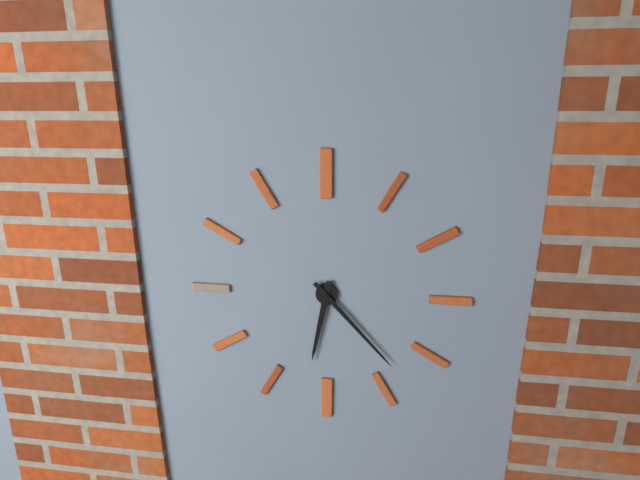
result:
6,23
